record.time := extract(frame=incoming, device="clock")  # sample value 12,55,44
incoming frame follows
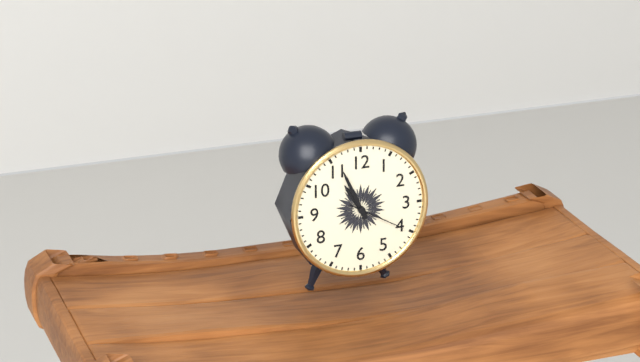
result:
10,56,20
